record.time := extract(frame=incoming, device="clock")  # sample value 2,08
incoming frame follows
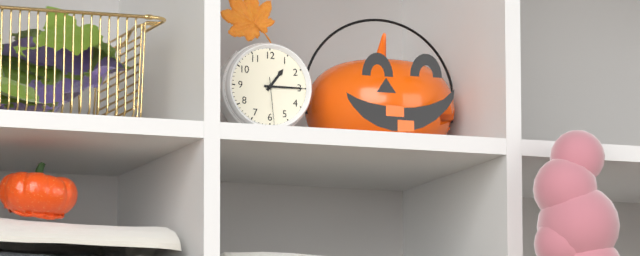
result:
1,15
